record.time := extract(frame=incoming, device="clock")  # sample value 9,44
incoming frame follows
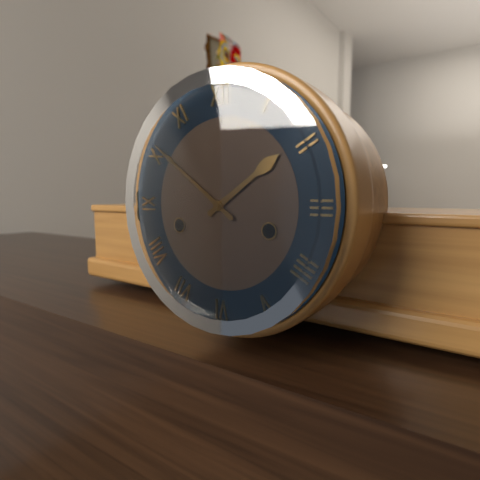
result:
1,51
